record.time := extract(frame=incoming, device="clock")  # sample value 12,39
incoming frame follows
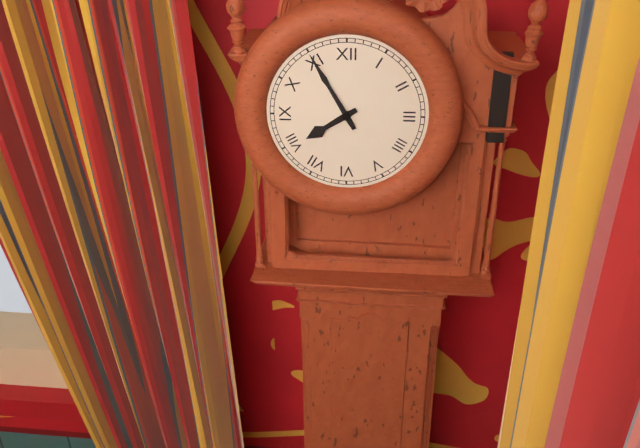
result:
7,55
